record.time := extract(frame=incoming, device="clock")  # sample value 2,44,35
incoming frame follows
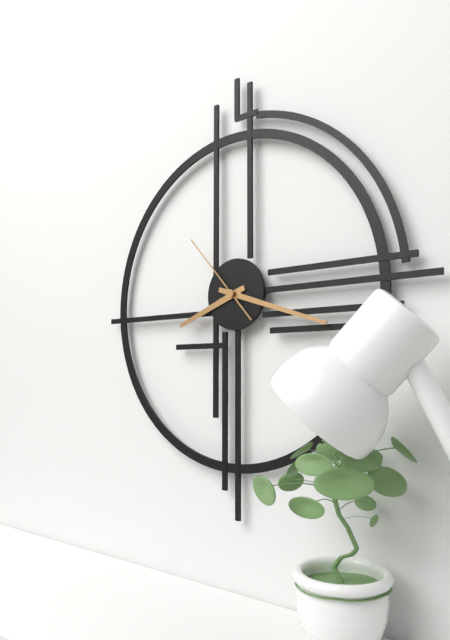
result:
8,18,53
